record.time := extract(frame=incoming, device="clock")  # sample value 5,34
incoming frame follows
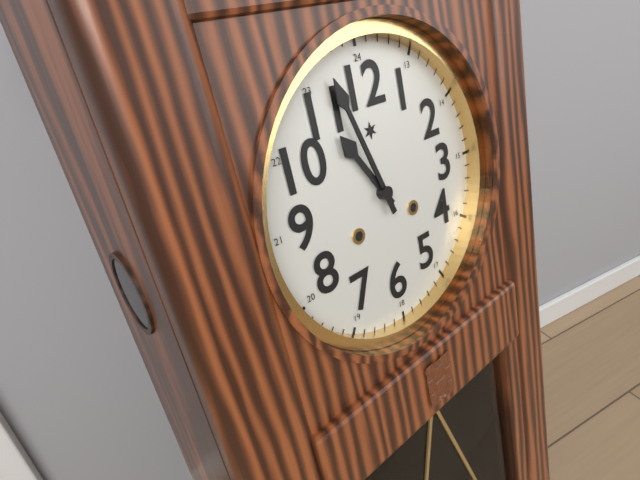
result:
10,57
